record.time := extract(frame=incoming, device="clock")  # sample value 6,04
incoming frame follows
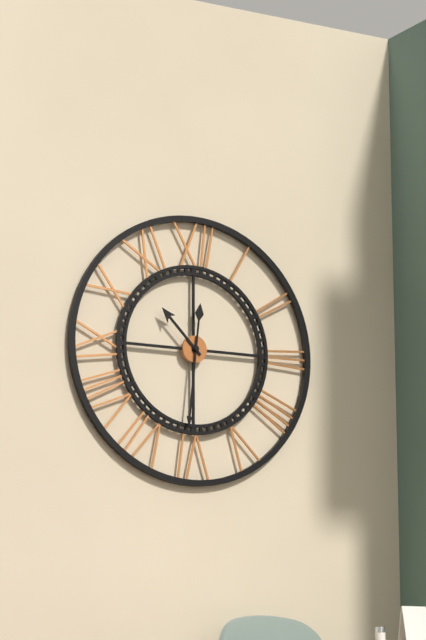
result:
10,31
